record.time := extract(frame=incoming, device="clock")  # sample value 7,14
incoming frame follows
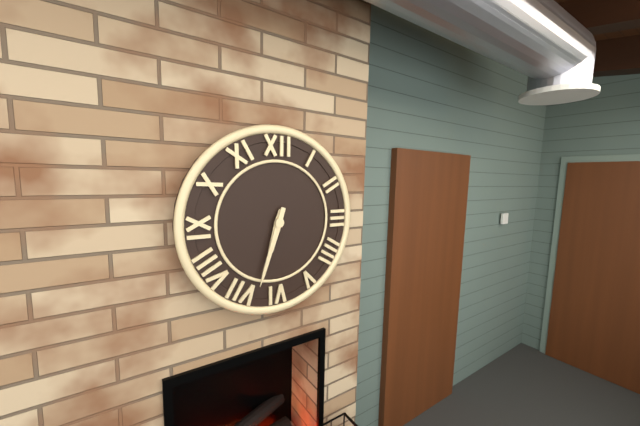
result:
6,33
